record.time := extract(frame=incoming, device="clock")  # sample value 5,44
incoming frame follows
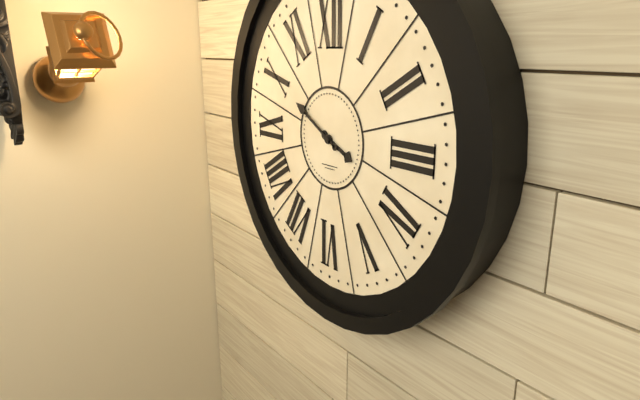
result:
3,50
